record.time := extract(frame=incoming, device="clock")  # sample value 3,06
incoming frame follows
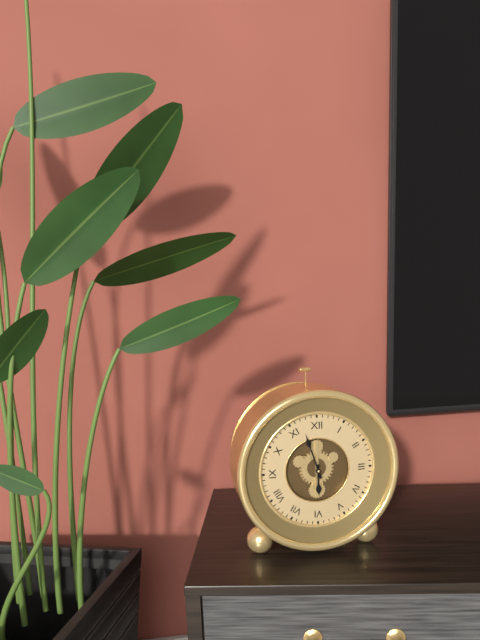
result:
5,57
